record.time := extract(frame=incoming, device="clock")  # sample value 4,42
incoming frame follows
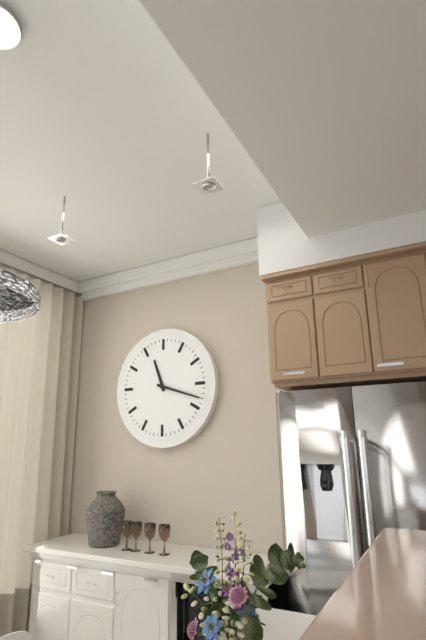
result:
11,18
